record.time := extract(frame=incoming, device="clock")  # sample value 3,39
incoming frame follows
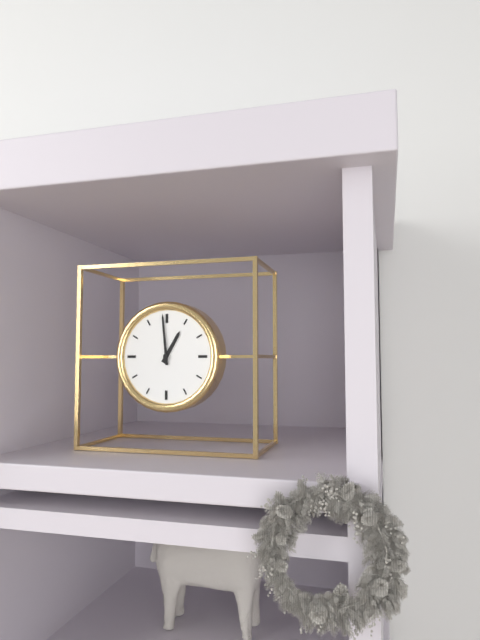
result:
12,59
